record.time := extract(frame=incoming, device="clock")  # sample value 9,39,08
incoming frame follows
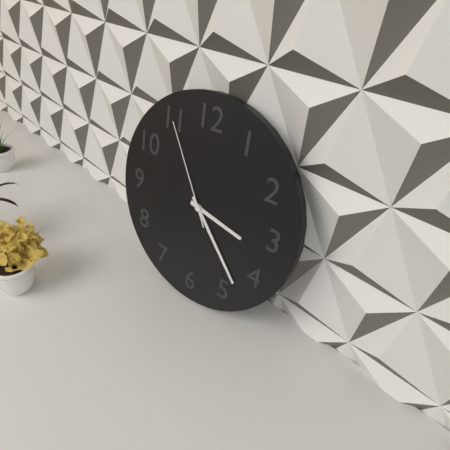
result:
3,23,55
